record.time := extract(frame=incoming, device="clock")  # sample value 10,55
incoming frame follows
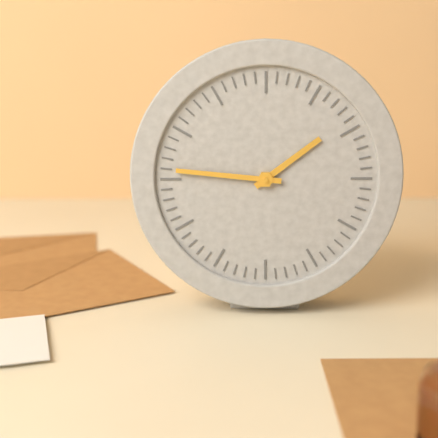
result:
1,46
